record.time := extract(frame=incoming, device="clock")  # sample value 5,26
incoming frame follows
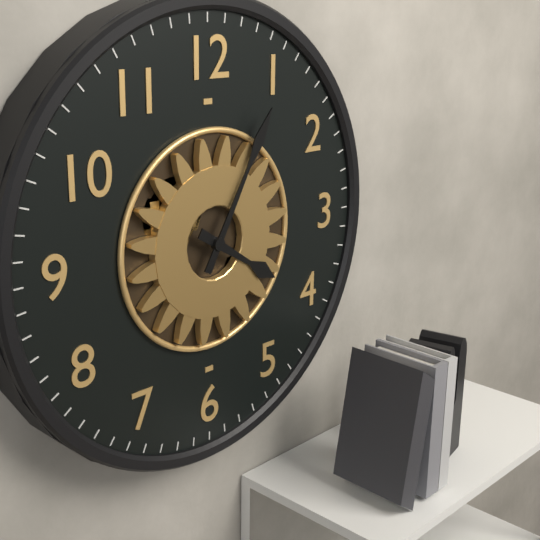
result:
4,05
